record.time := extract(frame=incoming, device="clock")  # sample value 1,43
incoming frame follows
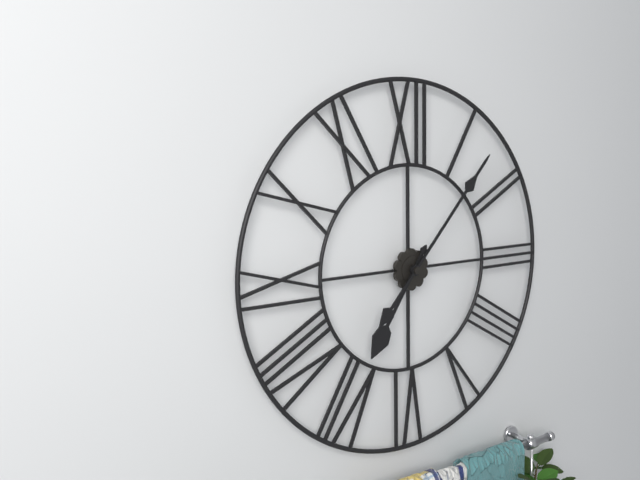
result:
7,07
